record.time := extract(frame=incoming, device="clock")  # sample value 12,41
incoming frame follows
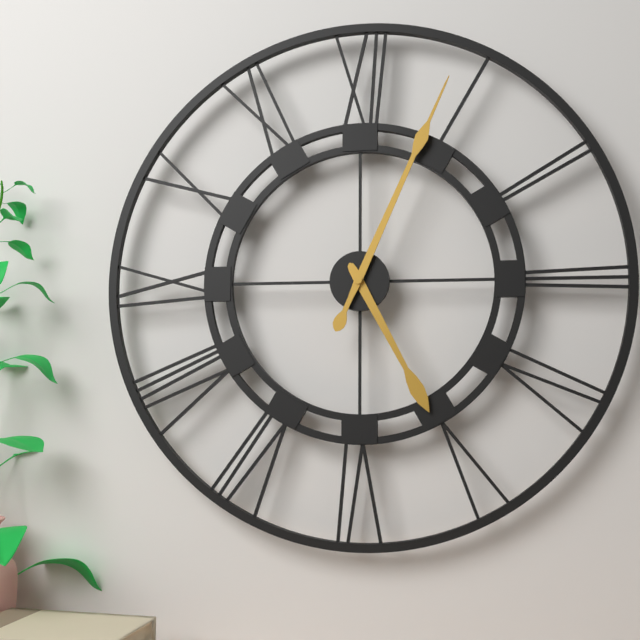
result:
5,04
